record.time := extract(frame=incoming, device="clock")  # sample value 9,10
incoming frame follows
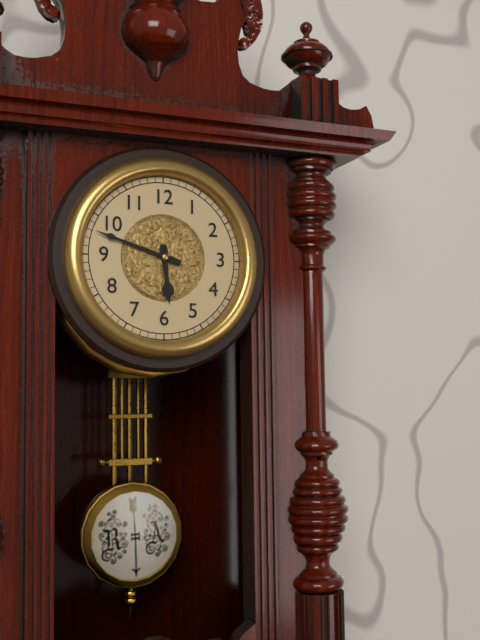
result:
5,48
